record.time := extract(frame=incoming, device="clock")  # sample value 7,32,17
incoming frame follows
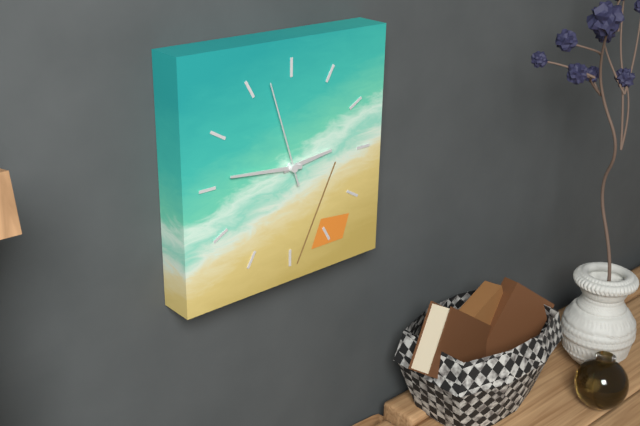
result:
2,46,57
